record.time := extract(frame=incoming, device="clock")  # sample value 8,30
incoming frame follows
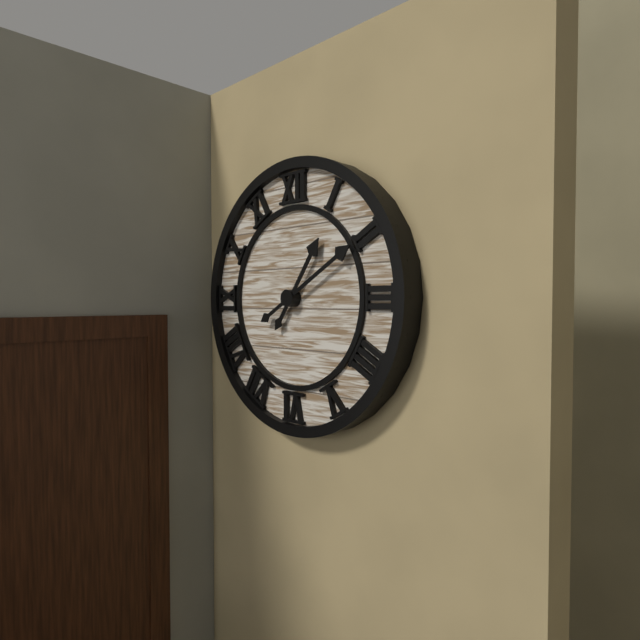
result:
1,10
